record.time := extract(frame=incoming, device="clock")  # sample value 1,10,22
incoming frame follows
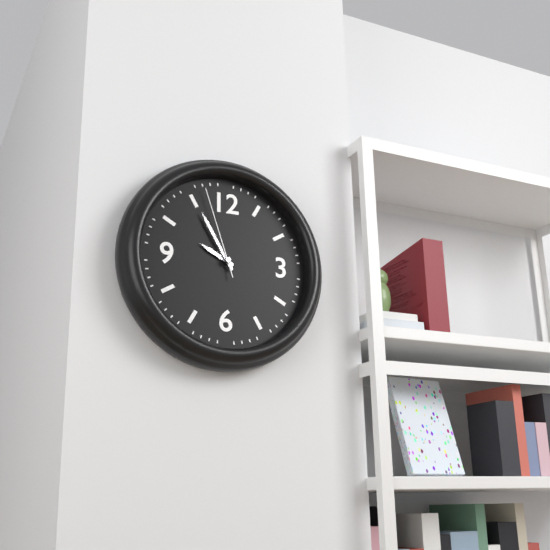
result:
9,55,57
